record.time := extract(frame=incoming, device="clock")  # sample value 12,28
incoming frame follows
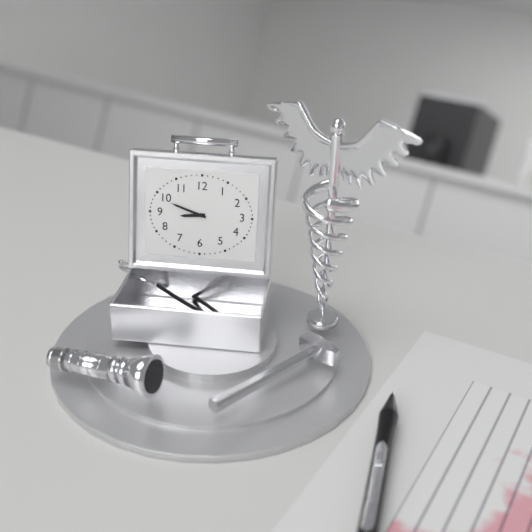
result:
8,48
